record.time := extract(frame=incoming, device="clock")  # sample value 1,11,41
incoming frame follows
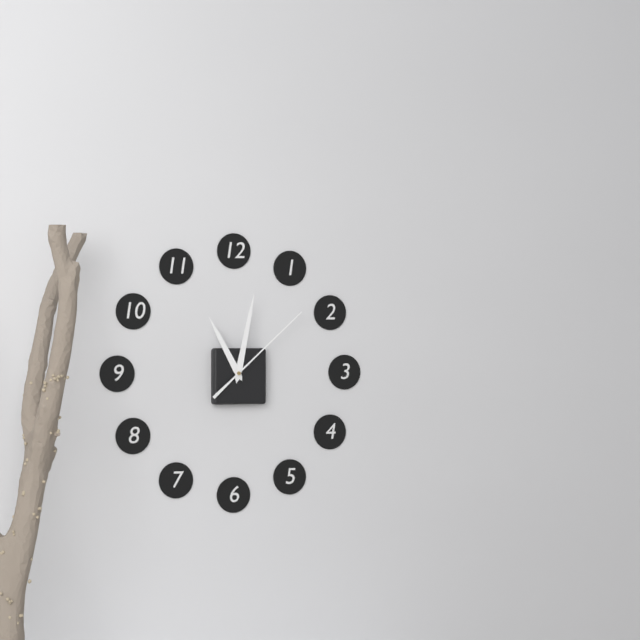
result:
11,02,08
